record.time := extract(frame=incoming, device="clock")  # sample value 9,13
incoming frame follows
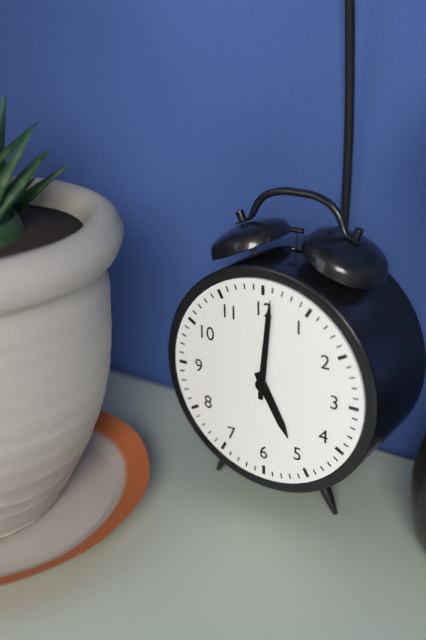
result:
5,01
